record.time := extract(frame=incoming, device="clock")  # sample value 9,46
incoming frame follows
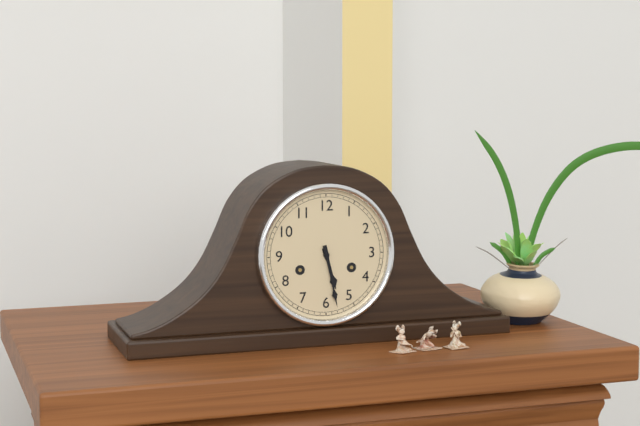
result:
5,28
